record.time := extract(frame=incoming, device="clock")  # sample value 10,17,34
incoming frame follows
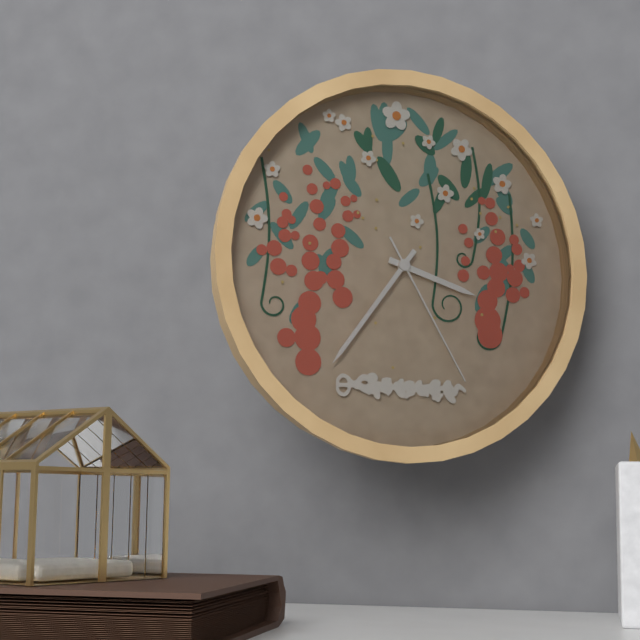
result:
3,36,25
